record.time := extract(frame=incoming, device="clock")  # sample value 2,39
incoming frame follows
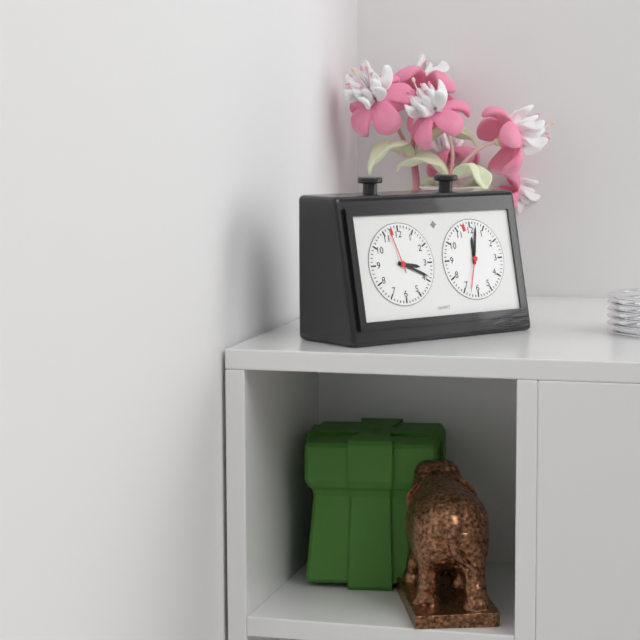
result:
3,19
